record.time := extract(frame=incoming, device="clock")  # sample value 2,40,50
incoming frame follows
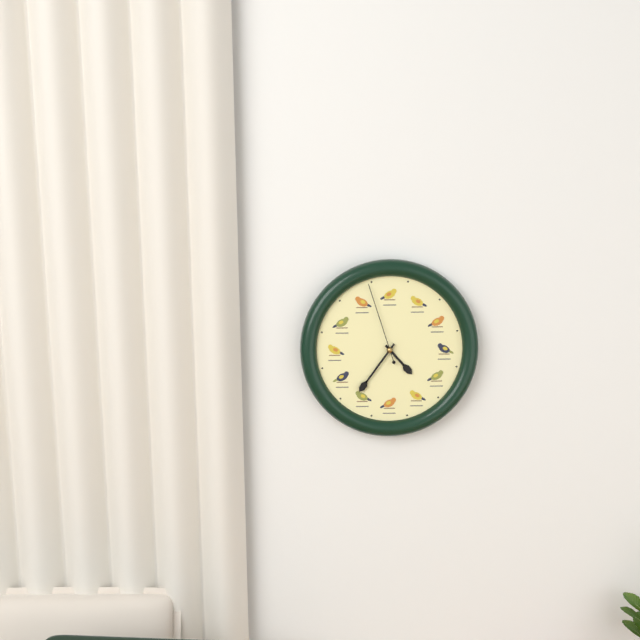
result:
4,36,57
